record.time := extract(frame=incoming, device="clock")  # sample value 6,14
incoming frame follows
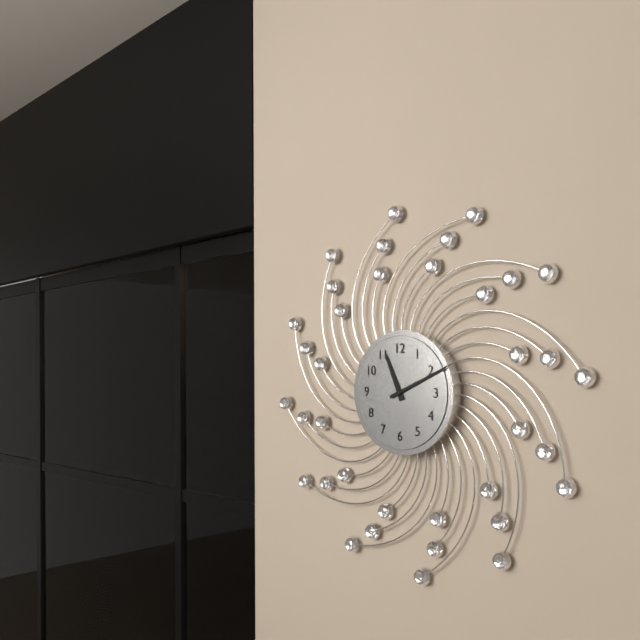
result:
11,11
